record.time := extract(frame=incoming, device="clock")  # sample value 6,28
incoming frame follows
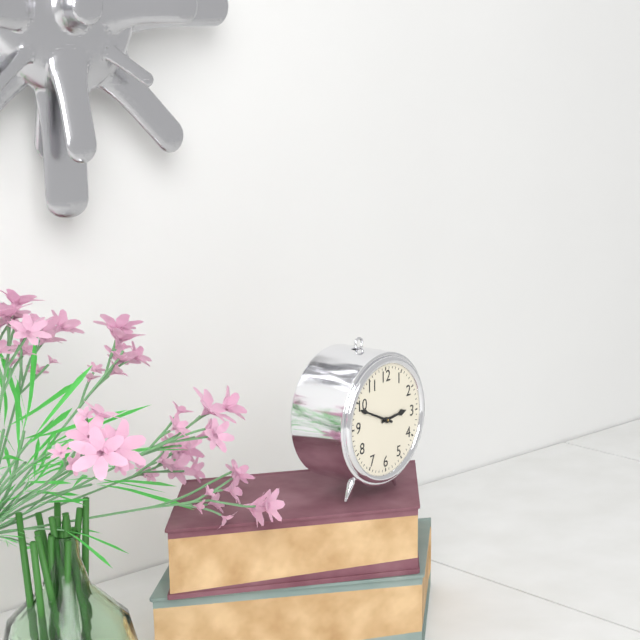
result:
2,49
